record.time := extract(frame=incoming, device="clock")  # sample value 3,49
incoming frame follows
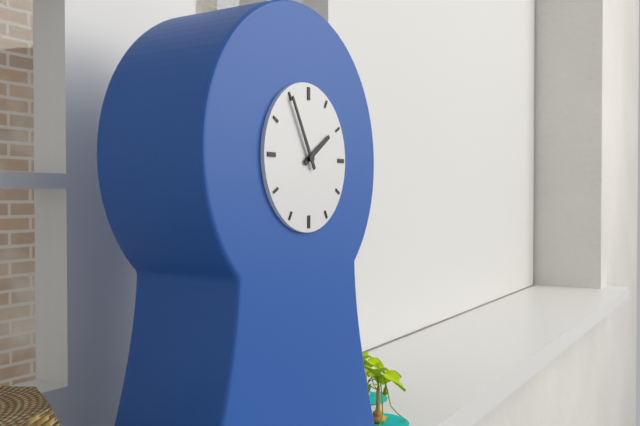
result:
1,55
